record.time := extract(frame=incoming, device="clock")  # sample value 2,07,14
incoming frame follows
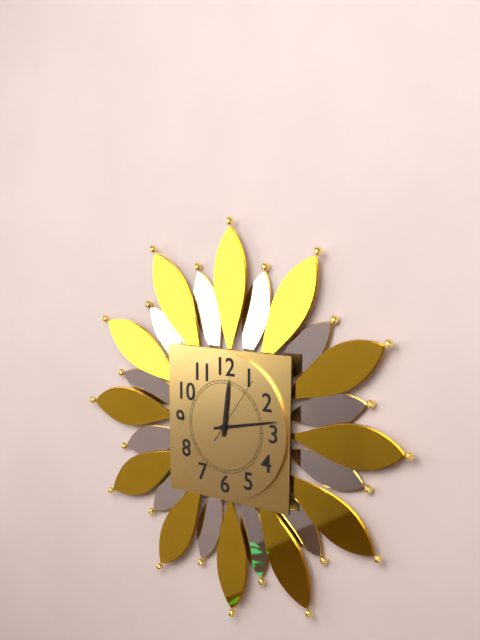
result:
12,13,06
